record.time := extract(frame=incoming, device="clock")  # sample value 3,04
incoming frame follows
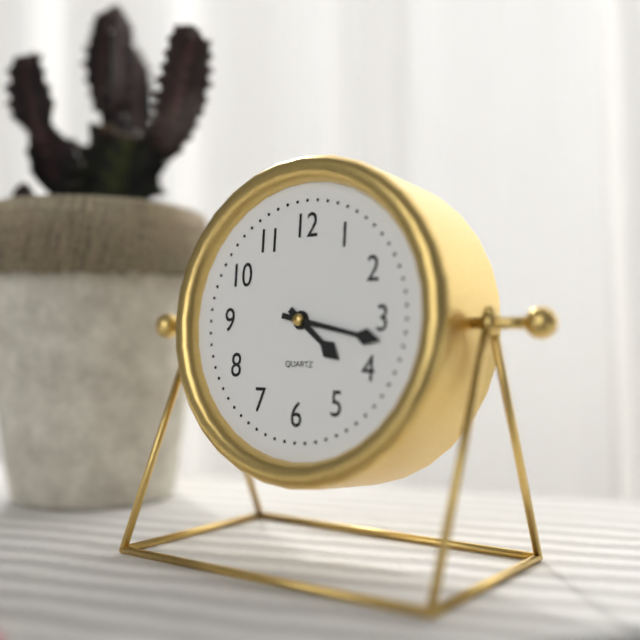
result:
4,17
